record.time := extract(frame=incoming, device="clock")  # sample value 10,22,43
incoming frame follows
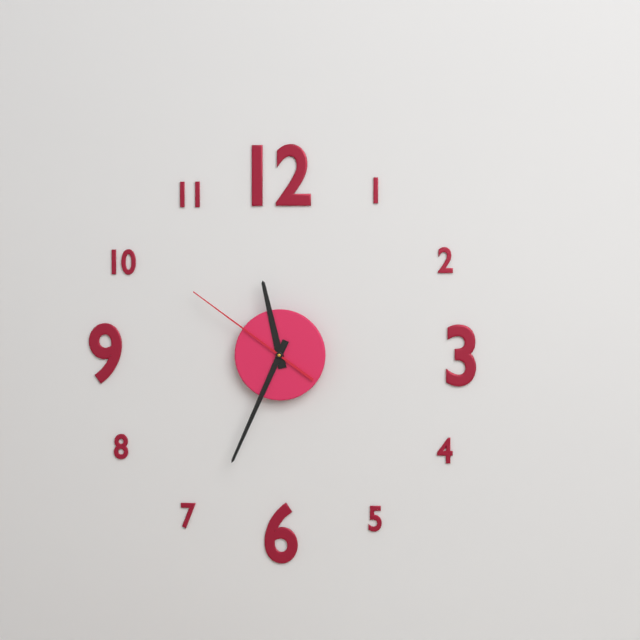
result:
11,34,51
